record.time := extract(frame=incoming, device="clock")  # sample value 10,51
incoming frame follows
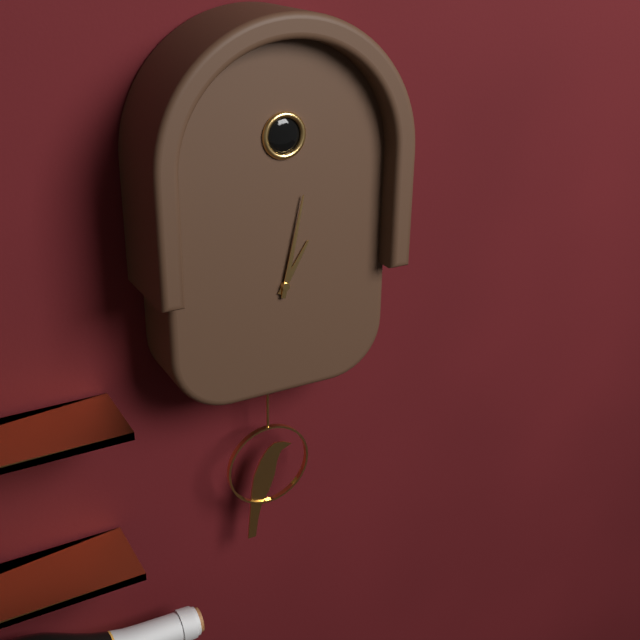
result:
1,02
